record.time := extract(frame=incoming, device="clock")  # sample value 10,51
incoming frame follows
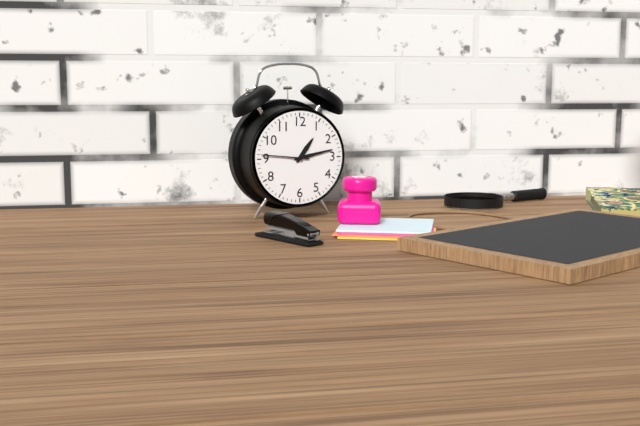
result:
1,13
